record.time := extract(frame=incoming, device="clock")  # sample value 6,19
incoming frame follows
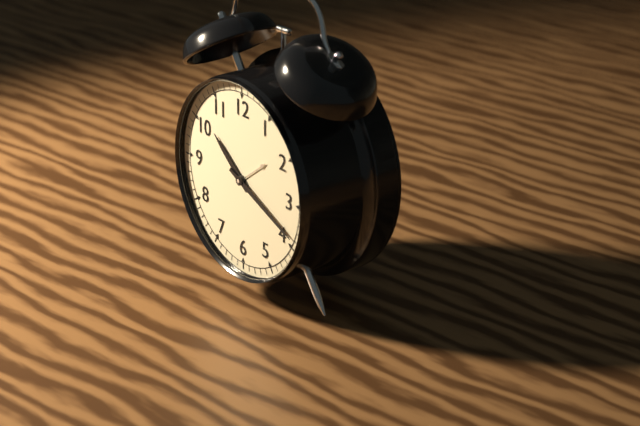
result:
10,19
